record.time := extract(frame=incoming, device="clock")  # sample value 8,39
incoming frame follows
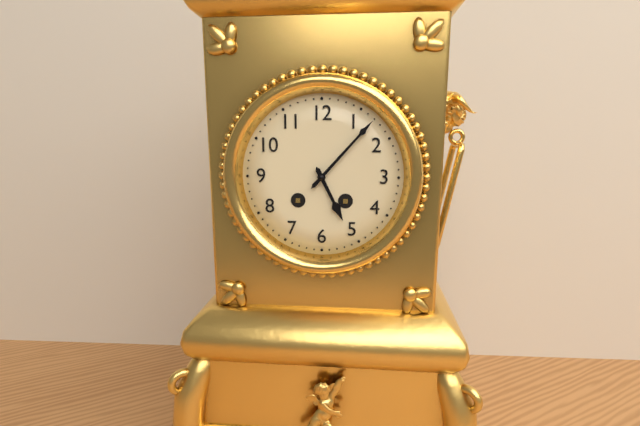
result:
5,07
